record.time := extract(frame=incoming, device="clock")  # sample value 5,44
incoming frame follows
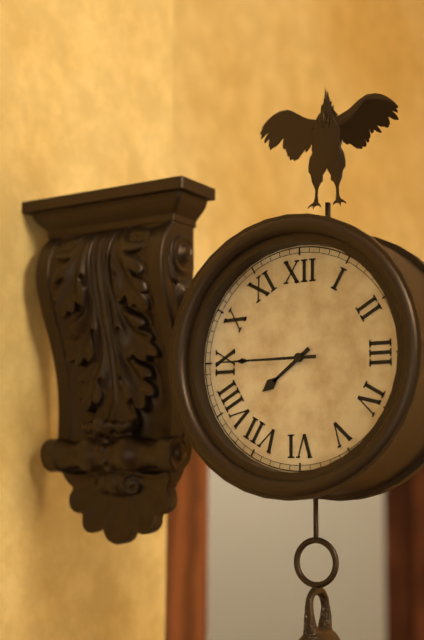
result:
7,45
